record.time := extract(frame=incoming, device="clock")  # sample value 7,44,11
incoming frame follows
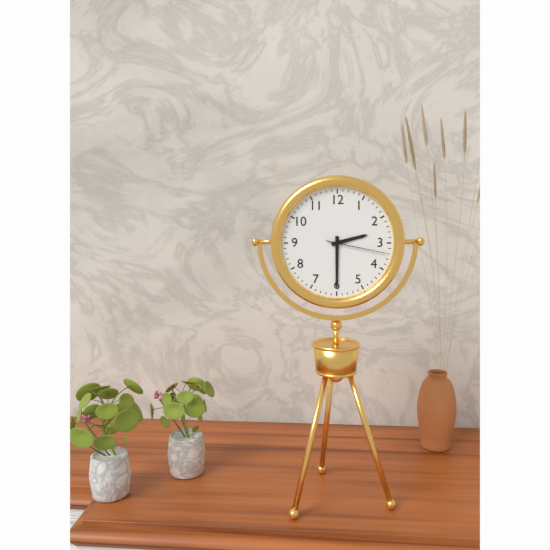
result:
2,30,17
